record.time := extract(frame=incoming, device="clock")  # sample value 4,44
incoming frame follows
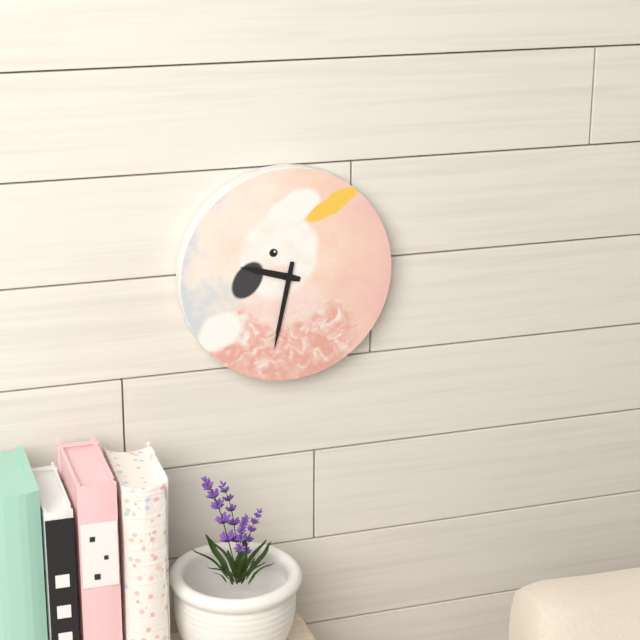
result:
9,32
